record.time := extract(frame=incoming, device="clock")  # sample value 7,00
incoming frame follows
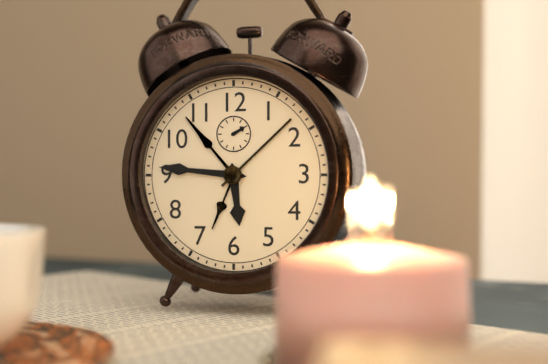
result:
5,46
